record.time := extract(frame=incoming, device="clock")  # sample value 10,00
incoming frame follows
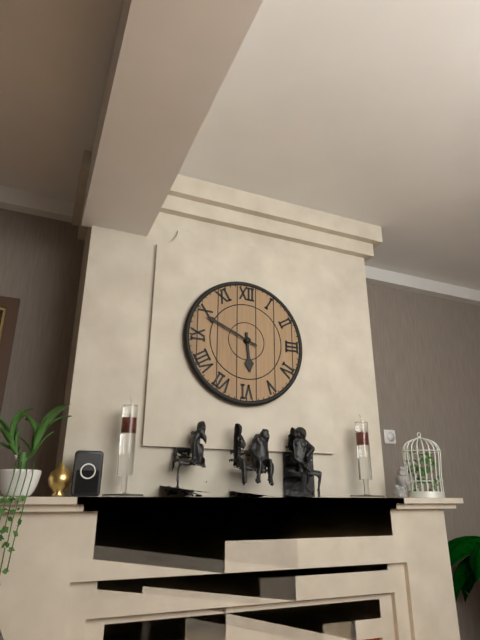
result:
5,49
